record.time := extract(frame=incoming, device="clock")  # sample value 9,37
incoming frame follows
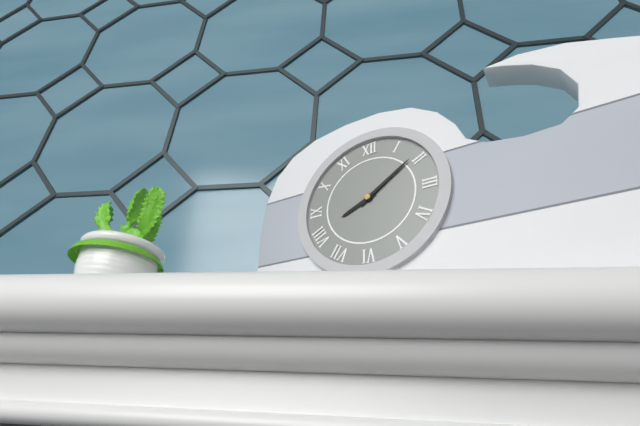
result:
8,09
